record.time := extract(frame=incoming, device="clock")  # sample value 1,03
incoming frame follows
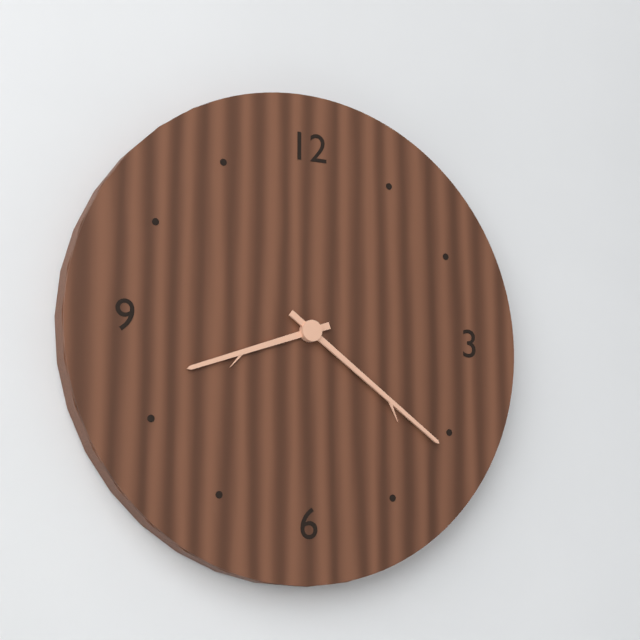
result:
8,21
